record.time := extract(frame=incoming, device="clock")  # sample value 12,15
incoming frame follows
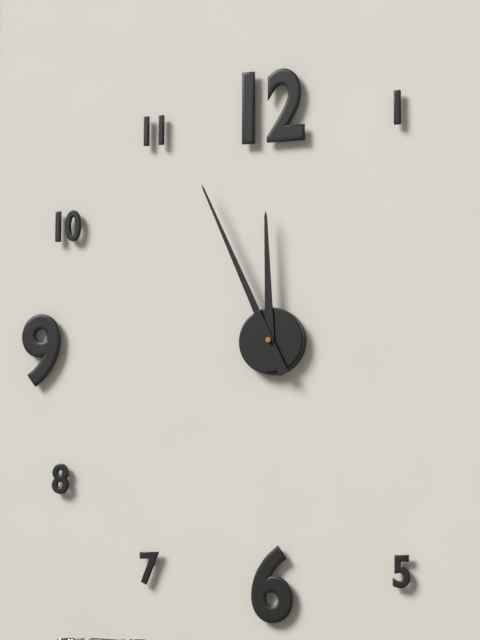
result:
11,56
